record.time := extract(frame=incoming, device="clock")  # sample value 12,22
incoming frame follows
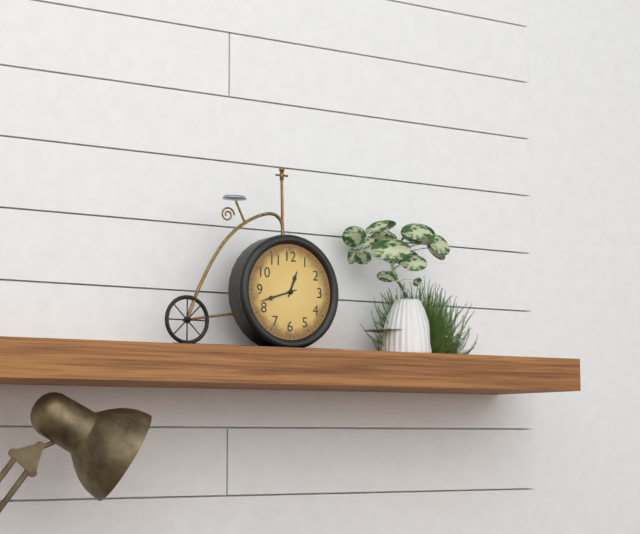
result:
12,42
